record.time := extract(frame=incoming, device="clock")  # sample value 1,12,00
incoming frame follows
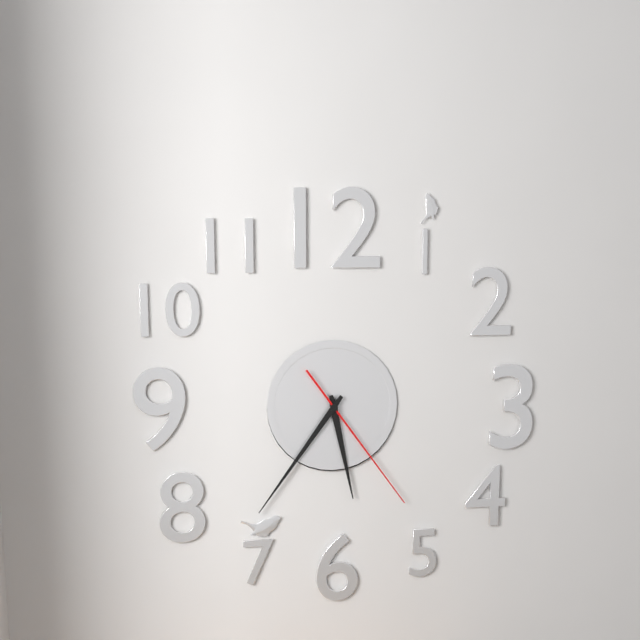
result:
5,36,24
